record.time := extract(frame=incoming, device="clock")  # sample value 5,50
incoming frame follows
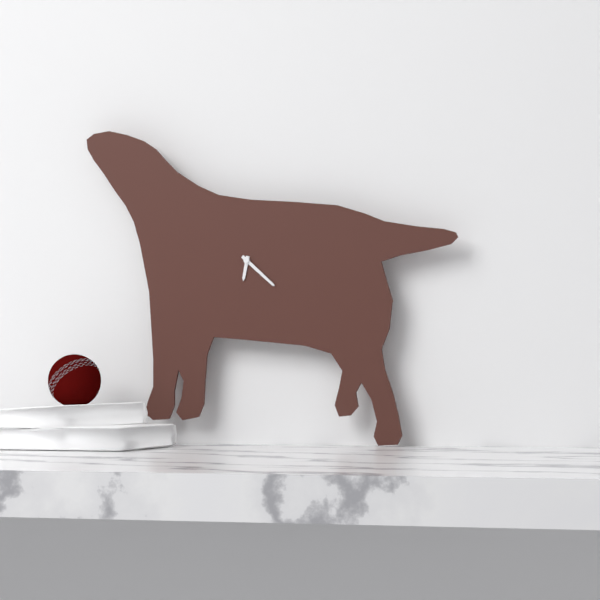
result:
6,22
